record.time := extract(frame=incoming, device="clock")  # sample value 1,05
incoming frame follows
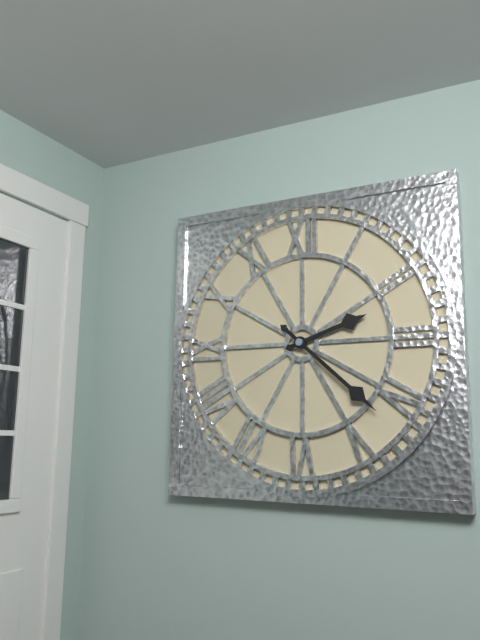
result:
2,22
